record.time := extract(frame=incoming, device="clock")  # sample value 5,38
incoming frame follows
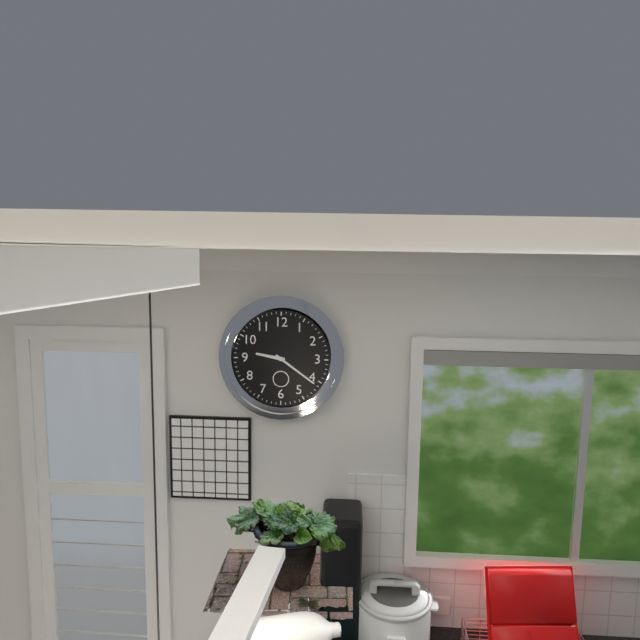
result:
9,21
